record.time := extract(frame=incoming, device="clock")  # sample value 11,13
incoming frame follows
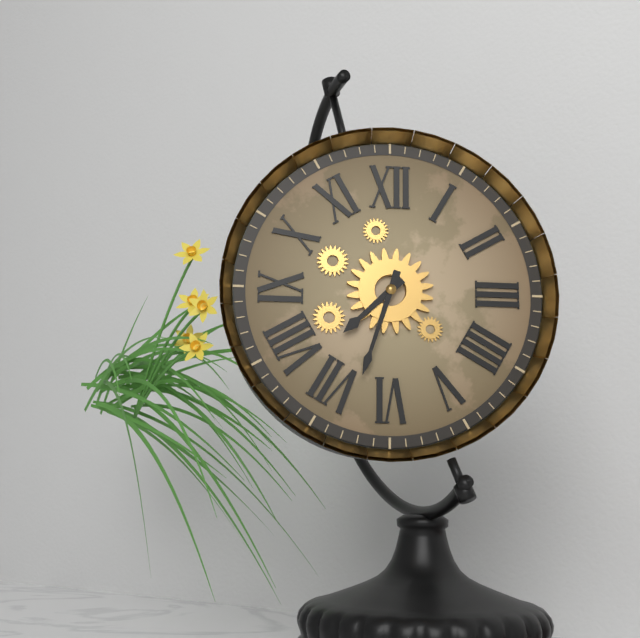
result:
7,33
